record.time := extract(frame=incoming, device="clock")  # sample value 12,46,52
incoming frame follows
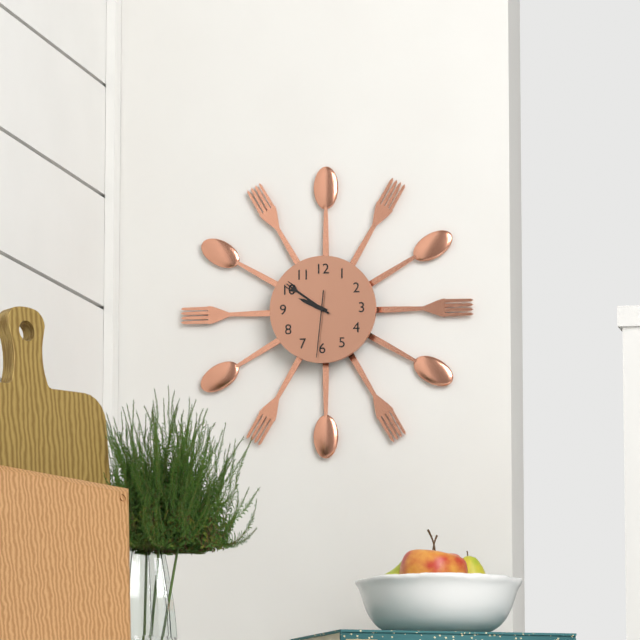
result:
9,51,31
